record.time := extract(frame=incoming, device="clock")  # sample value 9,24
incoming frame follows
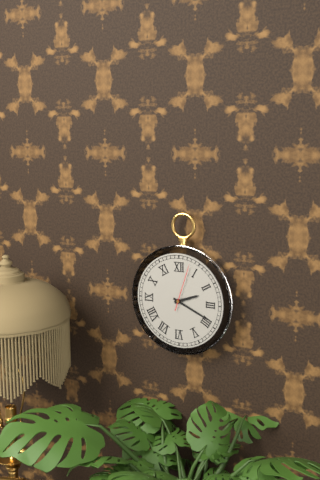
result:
2,19
